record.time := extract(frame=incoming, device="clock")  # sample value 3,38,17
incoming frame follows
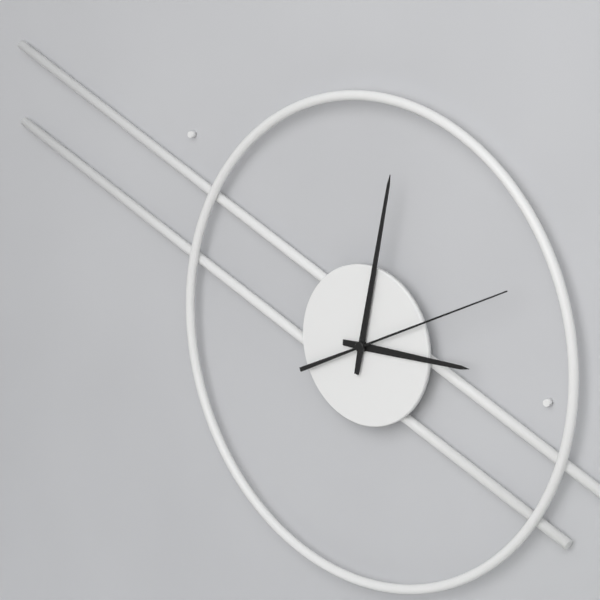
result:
3,02,11
